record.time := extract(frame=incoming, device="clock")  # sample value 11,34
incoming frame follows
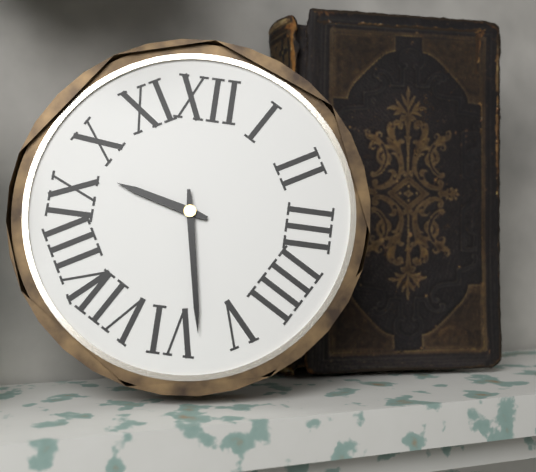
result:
9,28
